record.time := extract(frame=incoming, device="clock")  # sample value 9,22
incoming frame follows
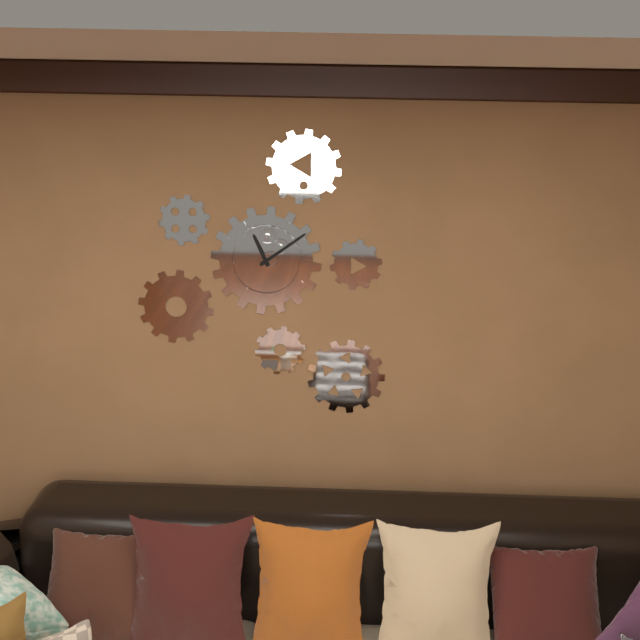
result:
11,09
